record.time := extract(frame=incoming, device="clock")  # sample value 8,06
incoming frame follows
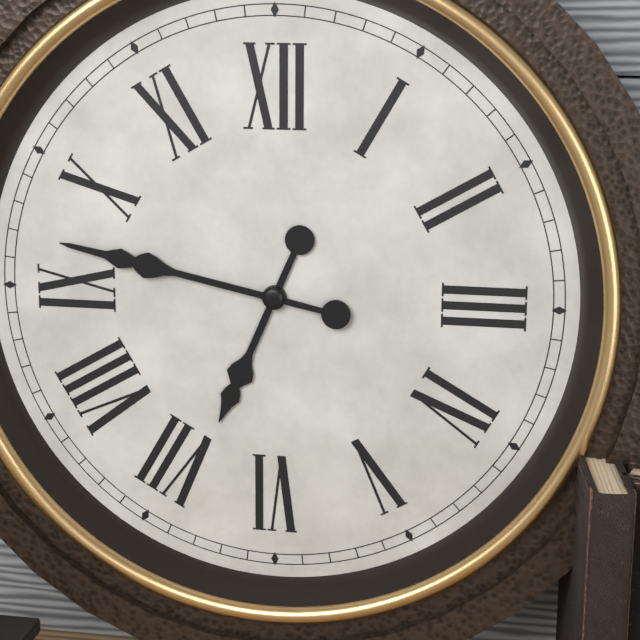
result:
6,47
